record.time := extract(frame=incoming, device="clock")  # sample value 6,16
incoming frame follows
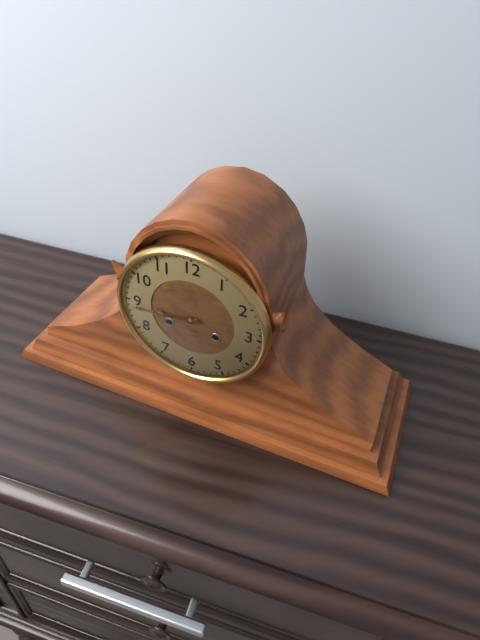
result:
8,44
